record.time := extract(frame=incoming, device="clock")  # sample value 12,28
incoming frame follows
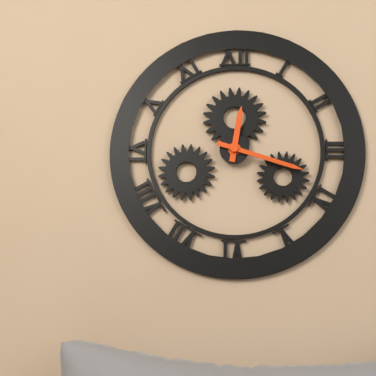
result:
12,18
